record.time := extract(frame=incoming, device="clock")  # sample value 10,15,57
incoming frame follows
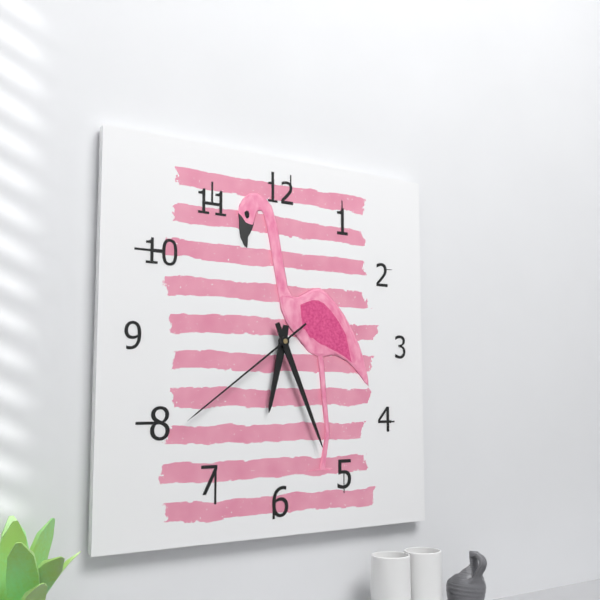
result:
6,26,39
